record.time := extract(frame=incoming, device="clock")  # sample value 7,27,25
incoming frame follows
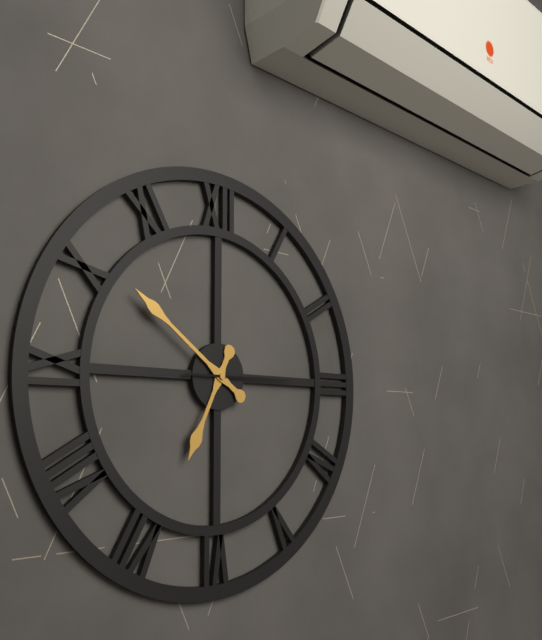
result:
6,51,15
